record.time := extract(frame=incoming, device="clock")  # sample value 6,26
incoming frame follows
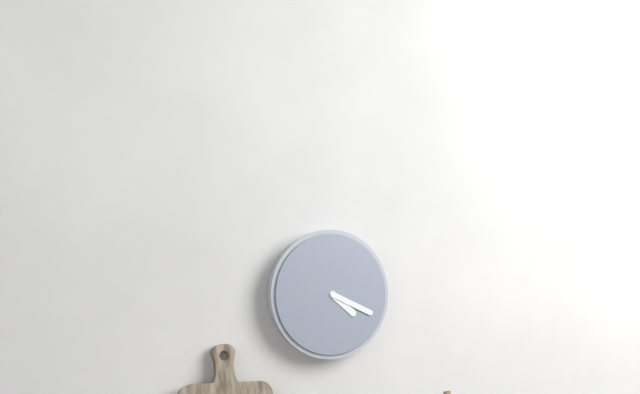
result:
4,19
